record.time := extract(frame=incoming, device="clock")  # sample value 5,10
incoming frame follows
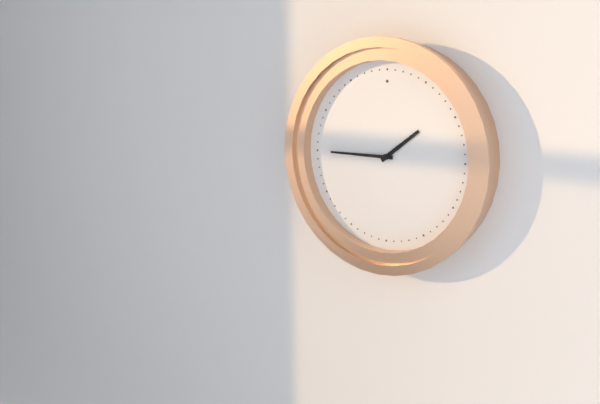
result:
1,45
